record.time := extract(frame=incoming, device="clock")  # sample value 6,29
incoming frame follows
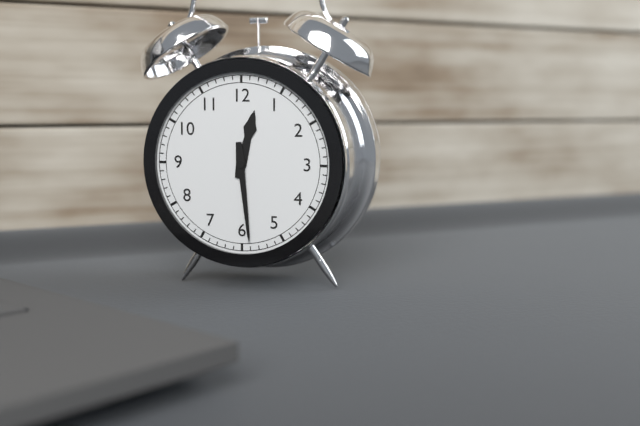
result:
12,29
